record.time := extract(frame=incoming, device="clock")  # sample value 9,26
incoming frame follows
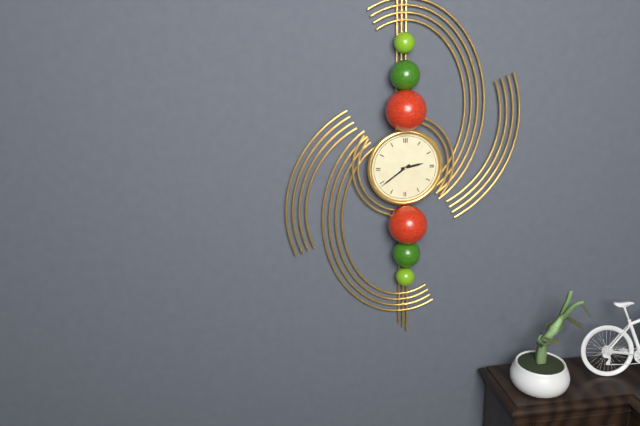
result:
2,39
